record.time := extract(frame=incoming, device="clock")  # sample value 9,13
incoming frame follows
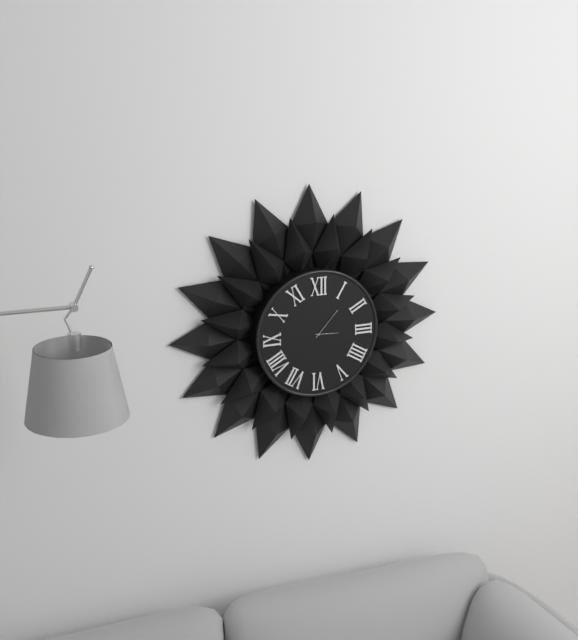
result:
3,07
